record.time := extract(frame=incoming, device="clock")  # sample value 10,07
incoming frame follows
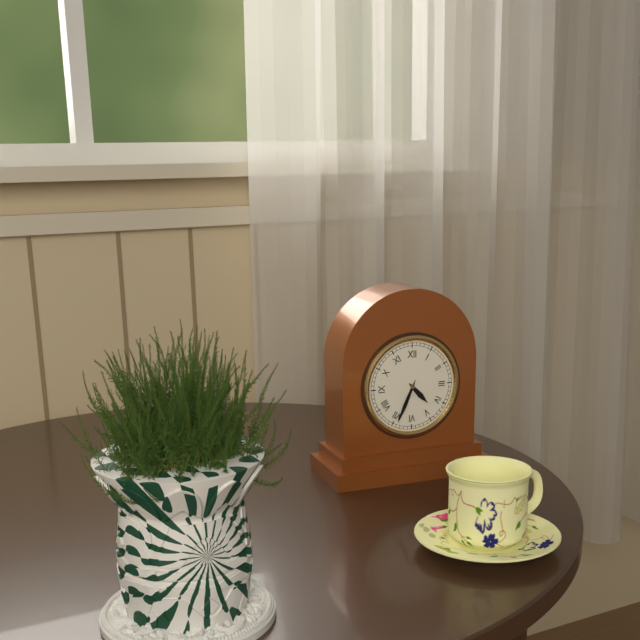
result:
4,34
